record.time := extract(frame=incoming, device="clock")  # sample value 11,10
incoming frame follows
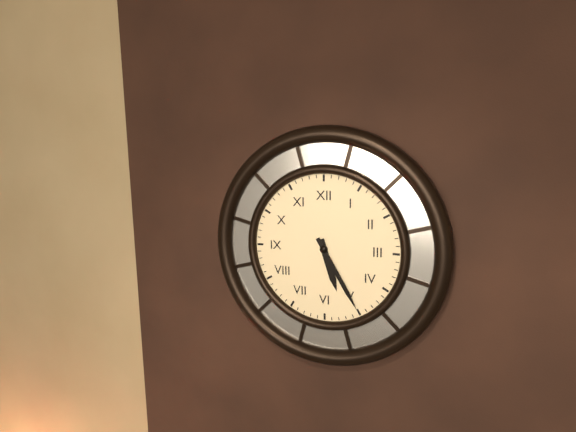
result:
5,25
